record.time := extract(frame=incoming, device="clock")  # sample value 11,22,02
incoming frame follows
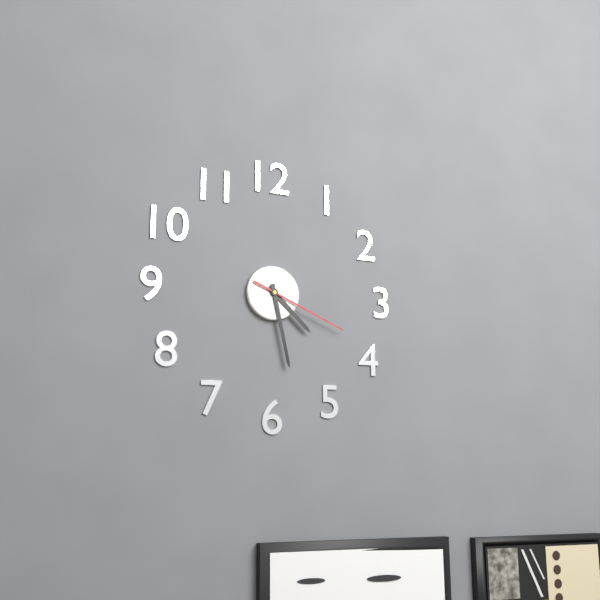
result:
4,28,19
